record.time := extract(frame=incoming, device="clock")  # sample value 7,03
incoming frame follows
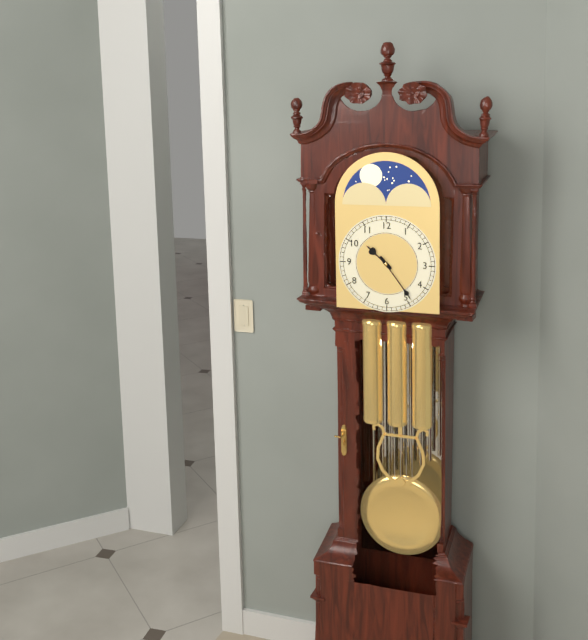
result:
10,24
